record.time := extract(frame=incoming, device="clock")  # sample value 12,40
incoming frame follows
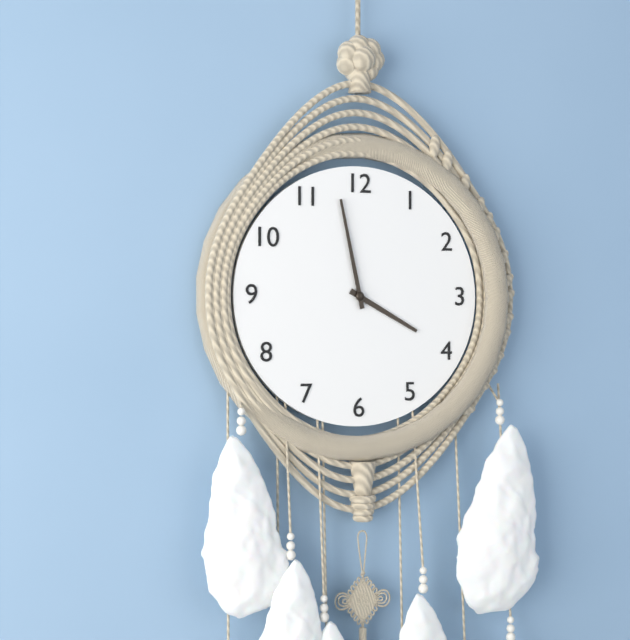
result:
3,58
